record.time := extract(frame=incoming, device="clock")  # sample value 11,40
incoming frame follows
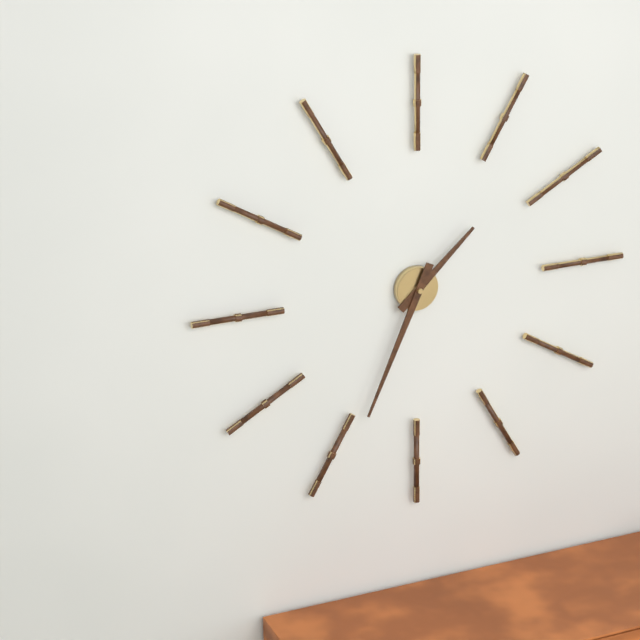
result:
1,34
